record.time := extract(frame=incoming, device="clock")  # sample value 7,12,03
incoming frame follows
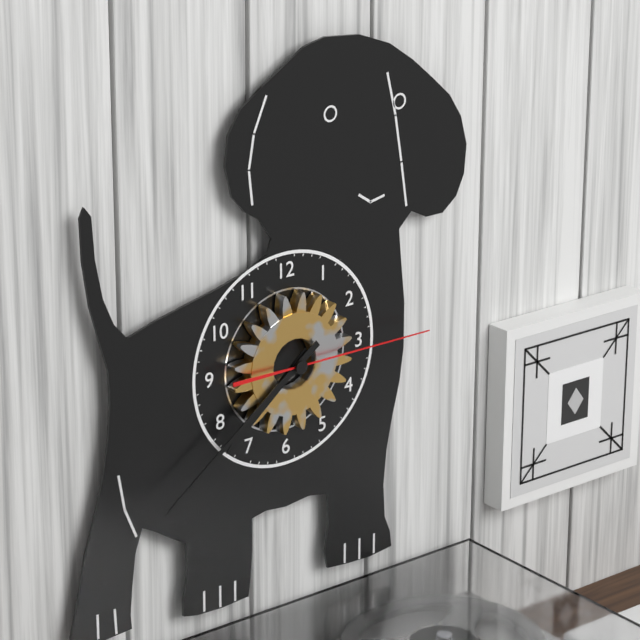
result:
7,39,15
